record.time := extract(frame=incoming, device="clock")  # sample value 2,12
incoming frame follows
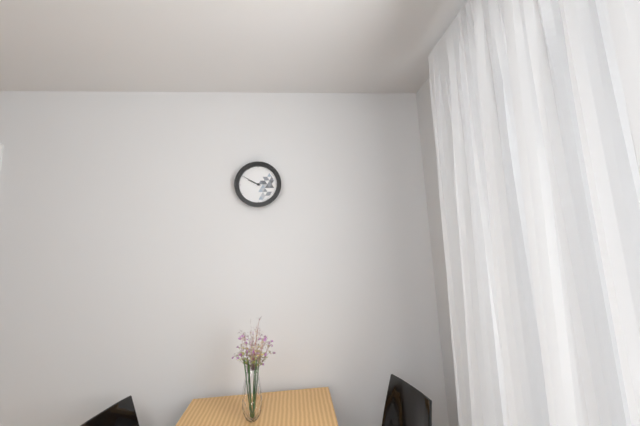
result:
9,50
